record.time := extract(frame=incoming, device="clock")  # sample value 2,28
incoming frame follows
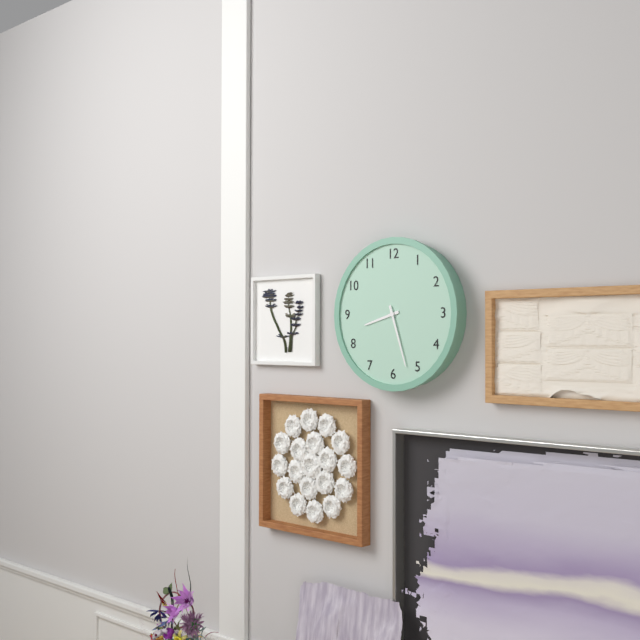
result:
8,27
